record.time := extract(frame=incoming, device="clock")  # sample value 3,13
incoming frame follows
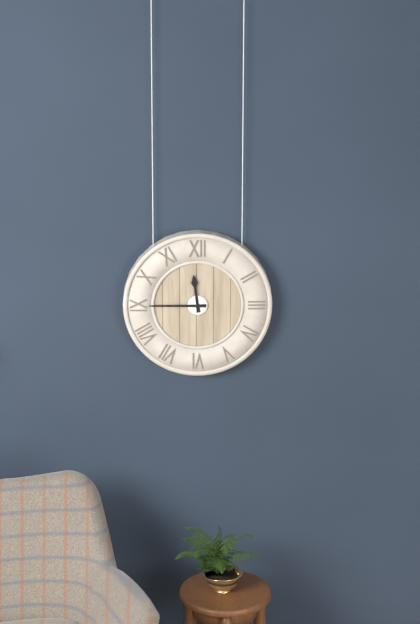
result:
11,45
